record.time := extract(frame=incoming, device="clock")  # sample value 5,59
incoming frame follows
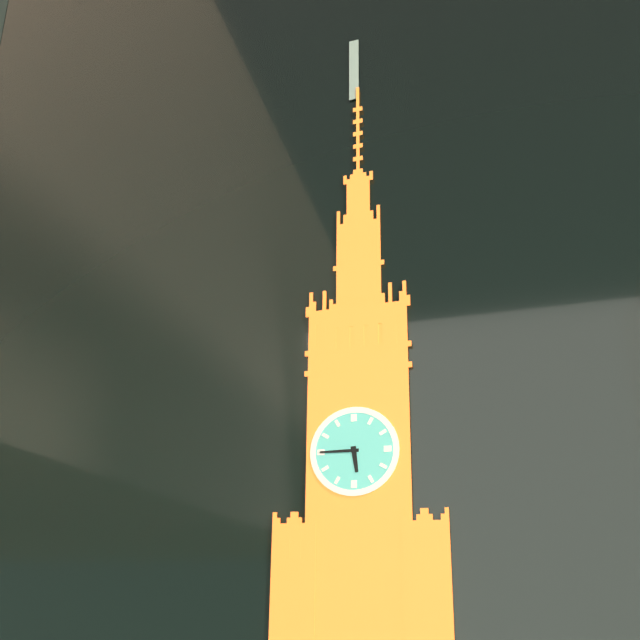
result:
5,45
